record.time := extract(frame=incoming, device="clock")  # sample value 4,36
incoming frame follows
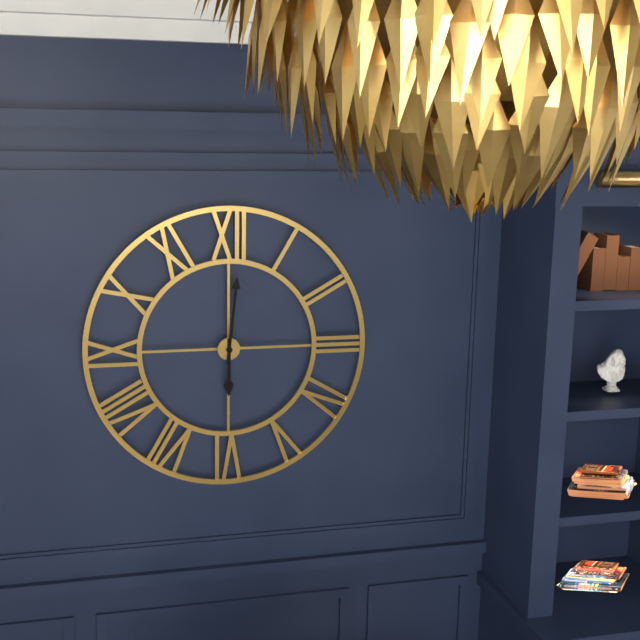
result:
6,01
